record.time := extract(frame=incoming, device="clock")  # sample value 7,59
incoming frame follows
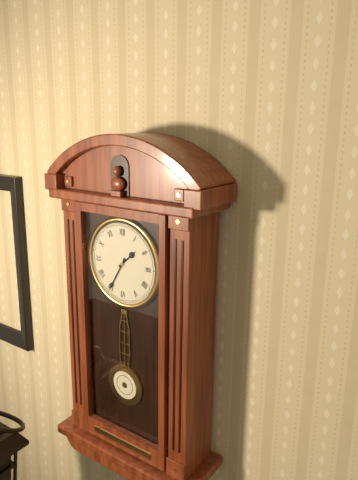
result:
1,35
